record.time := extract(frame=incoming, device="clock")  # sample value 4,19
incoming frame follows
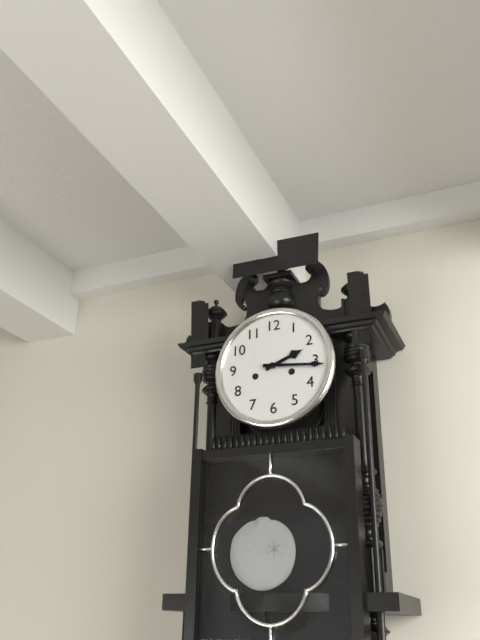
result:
2,16
